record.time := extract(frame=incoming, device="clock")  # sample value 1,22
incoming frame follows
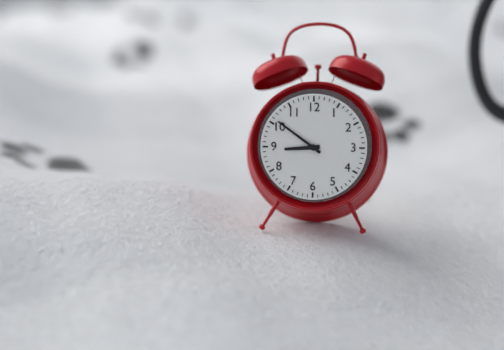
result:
8,51
